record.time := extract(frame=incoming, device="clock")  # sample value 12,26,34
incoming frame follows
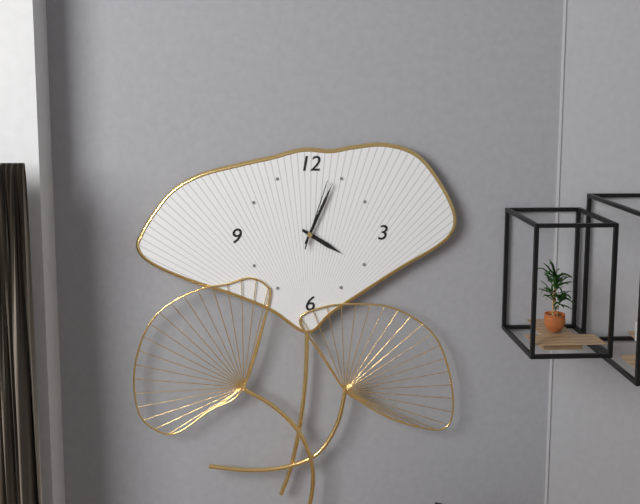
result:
4,04,03
